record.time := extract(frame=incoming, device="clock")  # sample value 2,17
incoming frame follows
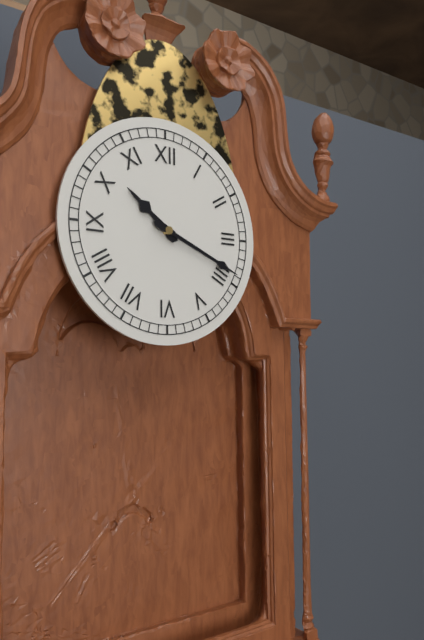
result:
10,19
